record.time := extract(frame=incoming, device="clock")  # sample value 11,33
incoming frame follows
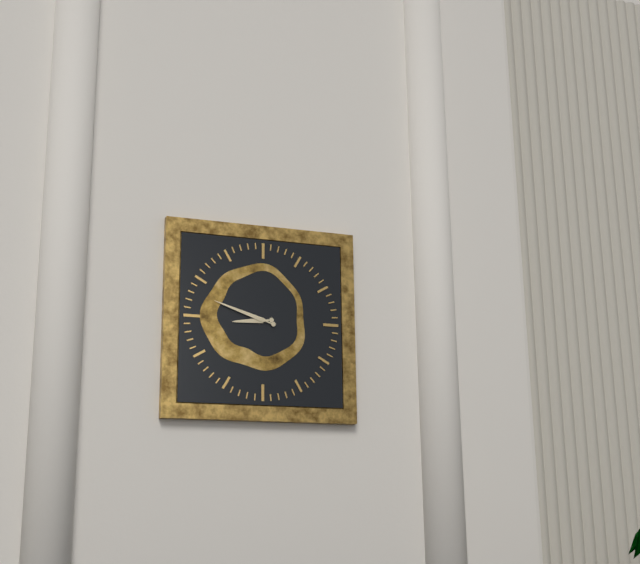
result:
8,48
